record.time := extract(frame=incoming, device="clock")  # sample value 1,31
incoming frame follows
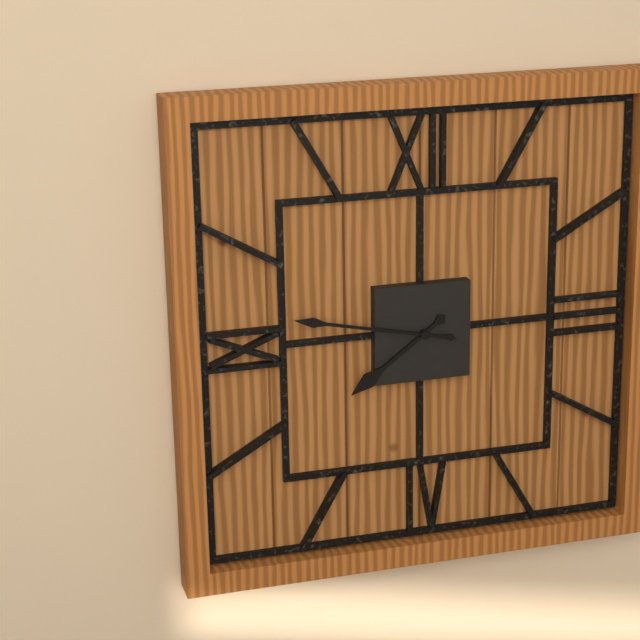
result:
7,47
